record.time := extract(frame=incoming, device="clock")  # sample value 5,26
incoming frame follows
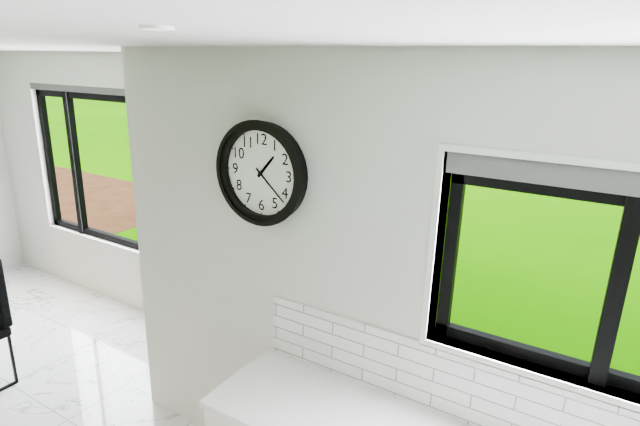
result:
1,22
